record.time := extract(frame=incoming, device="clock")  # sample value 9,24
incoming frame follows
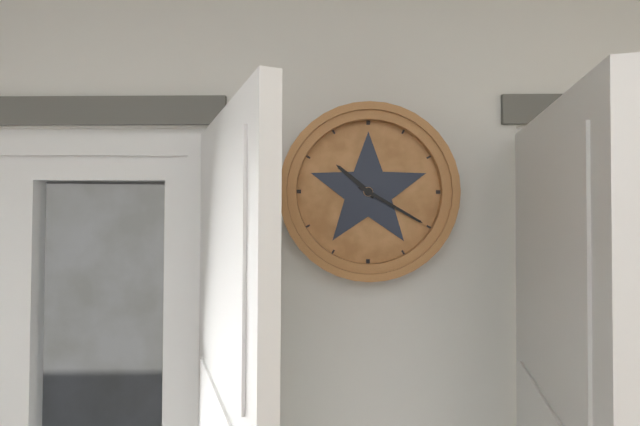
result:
10,20
